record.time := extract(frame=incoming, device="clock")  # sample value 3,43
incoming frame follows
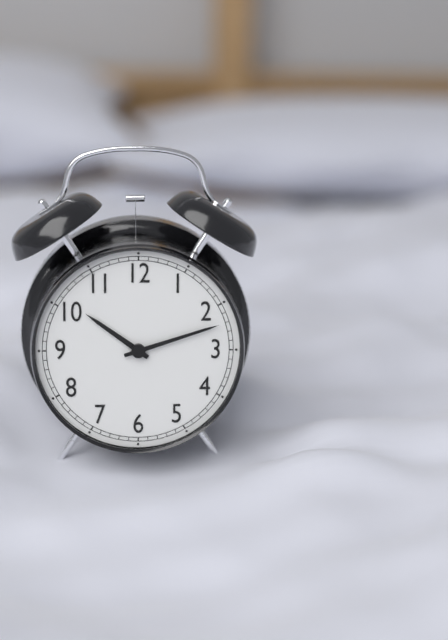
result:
10,12
